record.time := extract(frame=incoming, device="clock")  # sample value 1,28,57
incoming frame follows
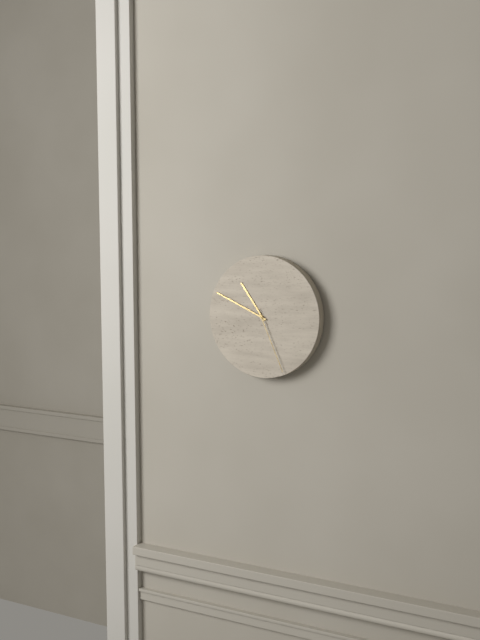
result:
10,49,26
